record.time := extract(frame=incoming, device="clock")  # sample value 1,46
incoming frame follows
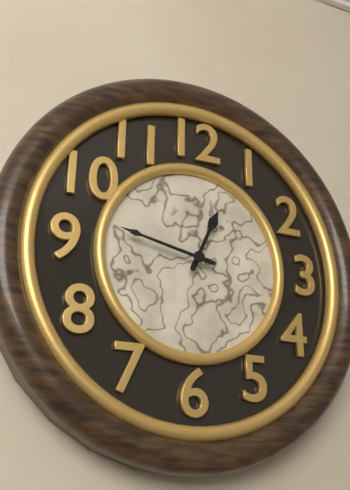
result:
12,47
